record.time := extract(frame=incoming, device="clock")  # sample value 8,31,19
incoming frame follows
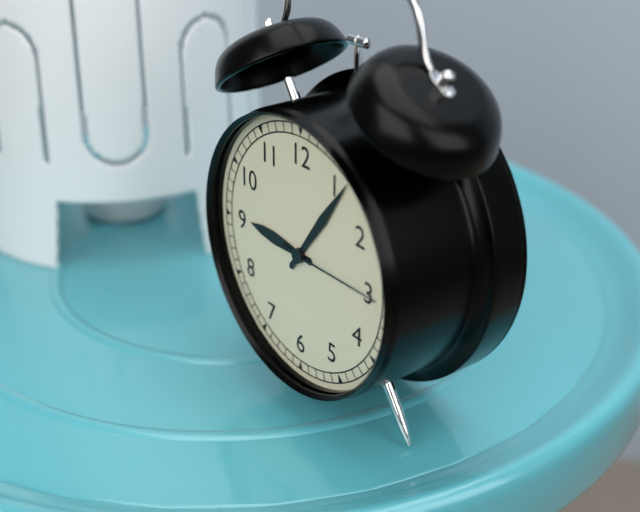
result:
9,06,15
